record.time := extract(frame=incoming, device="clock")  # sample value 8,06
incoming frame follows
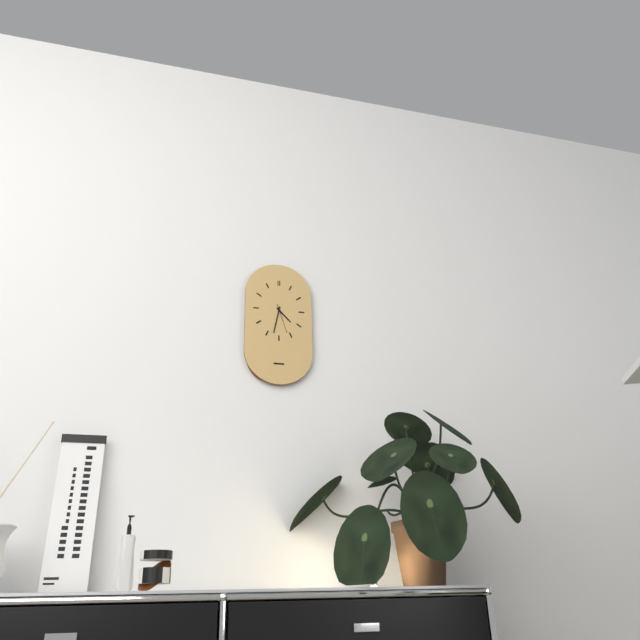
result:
4,32
